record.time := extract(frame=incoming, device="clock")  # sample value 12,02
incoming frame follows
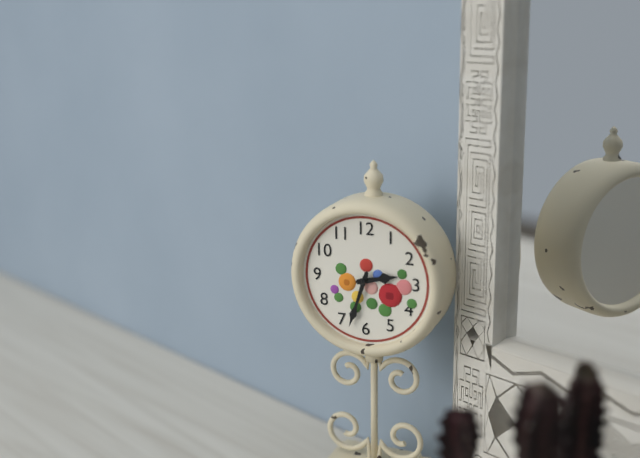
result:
2,33
